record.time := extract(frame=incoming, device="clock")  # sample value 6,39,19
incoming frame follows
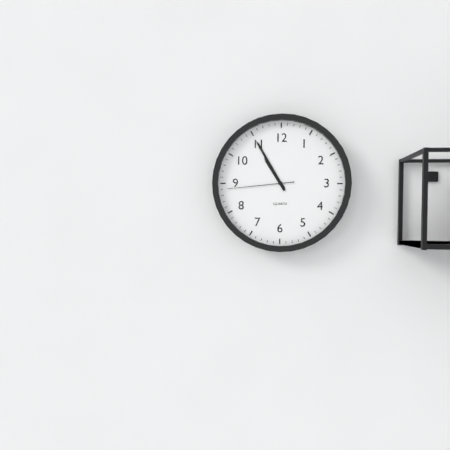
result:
10,55,44
